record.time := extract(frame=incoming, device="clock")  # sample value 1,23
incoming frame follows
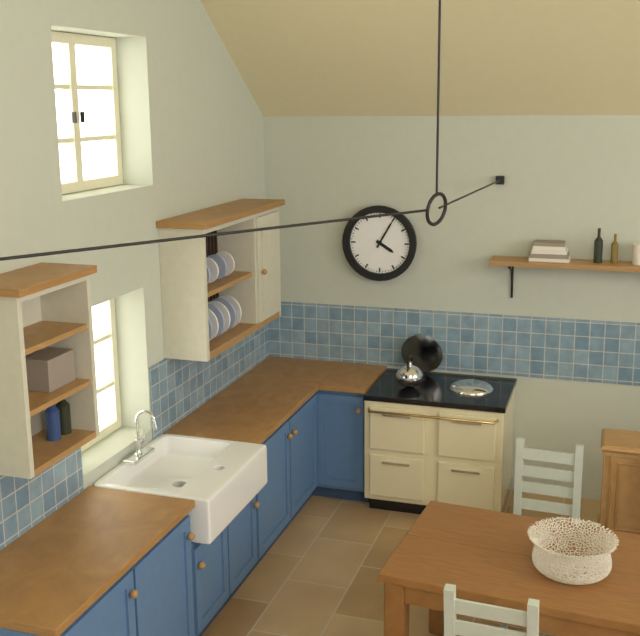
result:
4,05
